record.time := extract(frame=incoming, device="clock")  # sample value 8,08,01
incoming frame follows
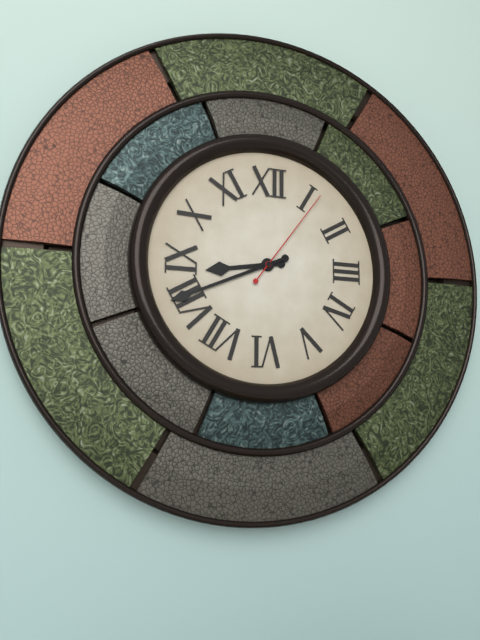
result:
8,41,06
